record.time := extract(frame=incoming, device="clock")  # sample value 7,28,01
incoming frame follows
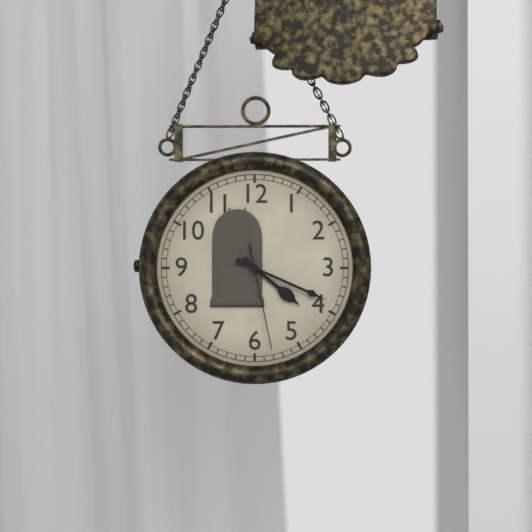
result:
4,19,28
